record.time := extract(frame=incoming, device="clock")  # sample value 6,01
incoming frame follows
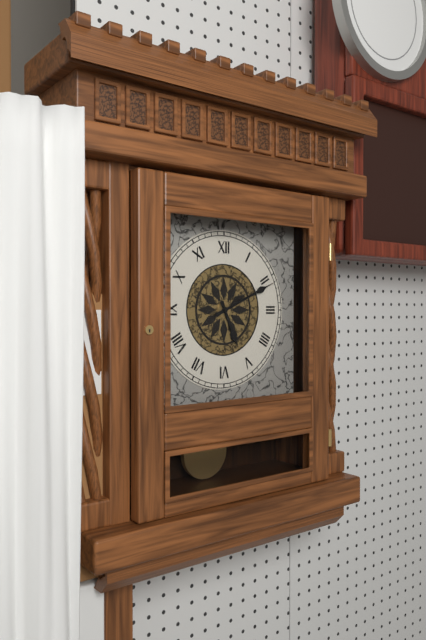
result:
5,11
